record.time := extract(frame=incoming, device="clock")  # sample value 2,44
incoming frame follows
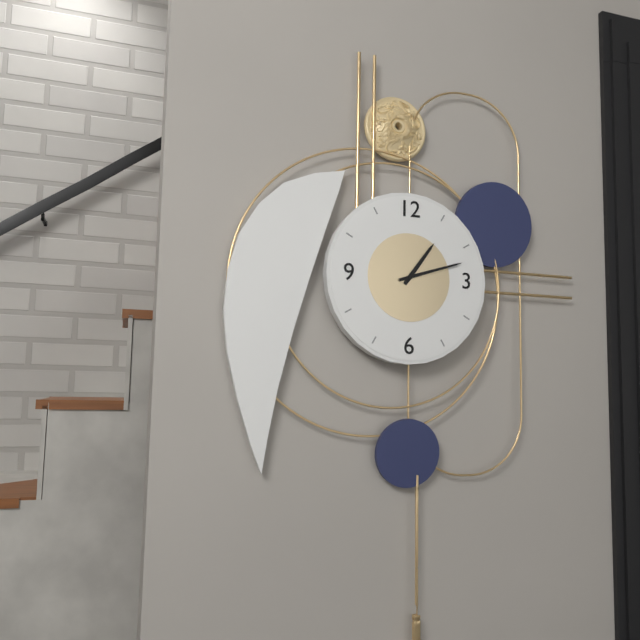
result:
1,12
